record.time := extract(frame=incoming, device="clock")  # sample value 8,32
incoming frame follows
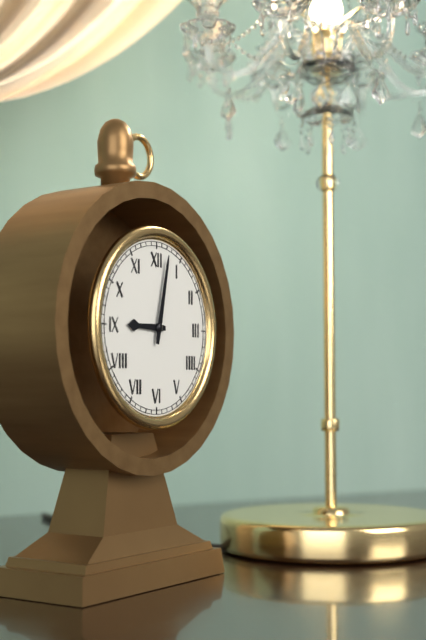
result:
9,02
